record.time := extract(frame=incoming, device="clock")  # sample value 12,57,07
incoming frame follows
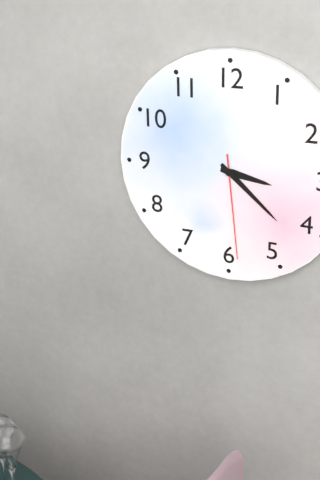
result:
3,22,29
